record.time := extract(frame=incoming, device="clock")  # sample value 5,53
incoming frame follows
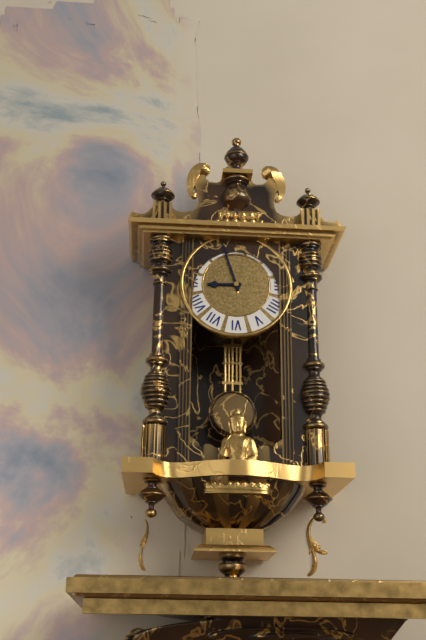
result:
8,57
